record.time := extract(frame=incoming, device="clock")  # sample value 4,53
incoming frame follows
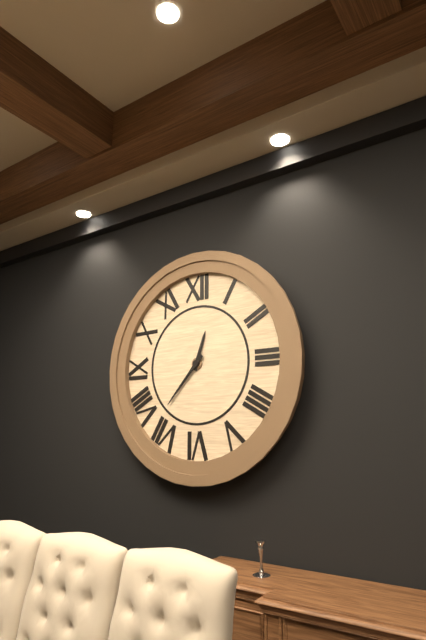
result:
12,37
